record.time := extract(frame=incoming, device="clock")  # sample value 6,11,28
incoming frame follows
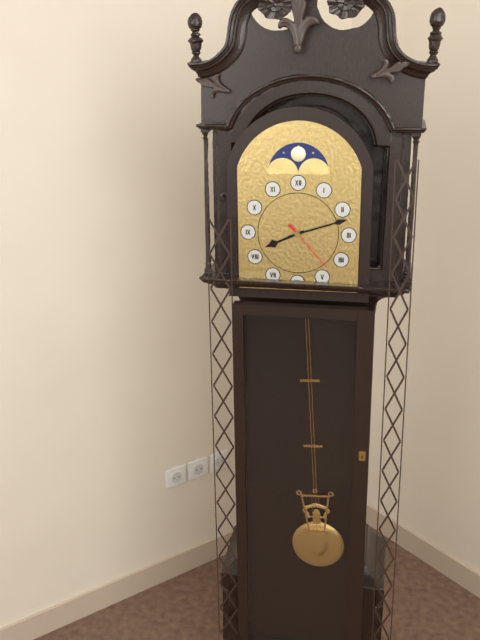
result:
8,12,23
